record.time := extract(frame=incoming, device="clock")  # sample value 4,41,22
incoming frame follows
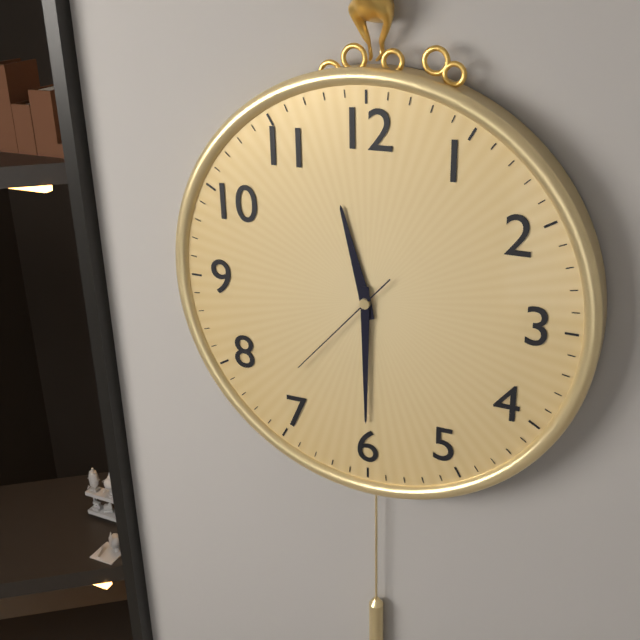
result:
11,30,37
